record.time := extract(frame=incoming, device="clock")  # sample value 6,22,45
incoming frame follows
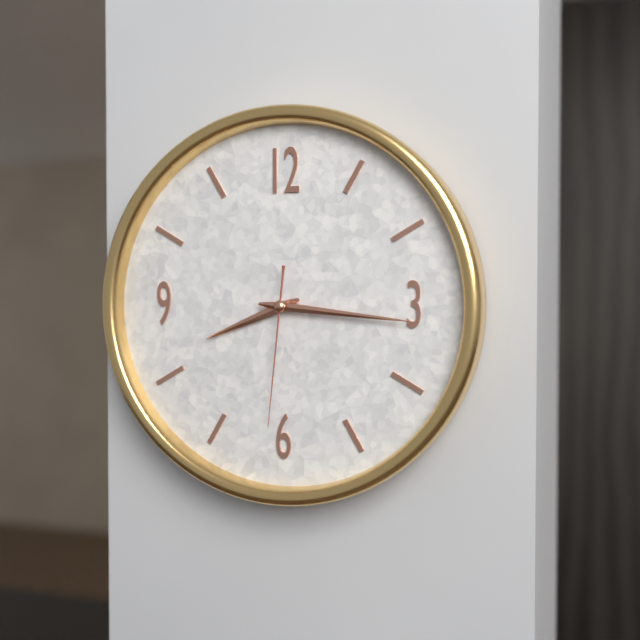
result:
8,16,31
